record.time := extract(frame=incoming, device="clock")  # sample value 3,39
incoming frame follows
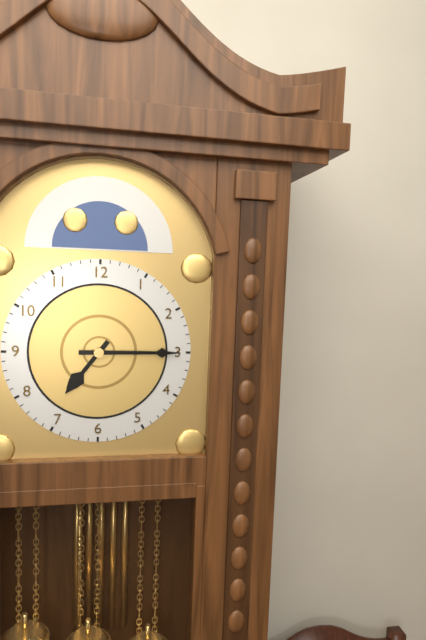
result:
7,15
